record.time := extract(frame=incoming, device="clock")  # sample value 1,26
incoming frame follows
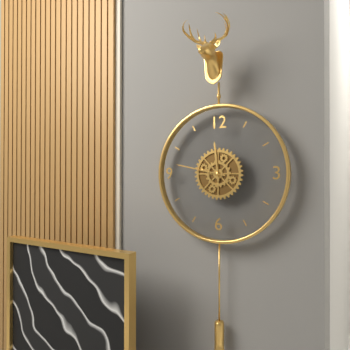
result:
11,47
